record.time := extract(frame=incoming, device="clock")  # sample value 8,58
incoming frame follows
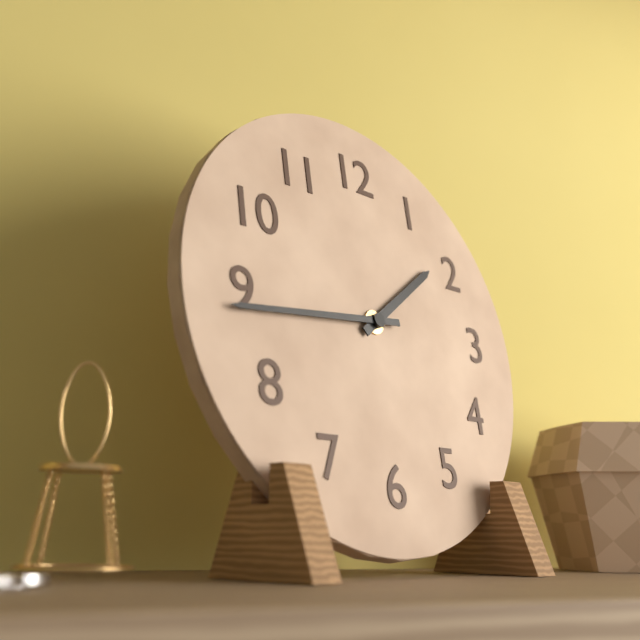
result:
1,44
